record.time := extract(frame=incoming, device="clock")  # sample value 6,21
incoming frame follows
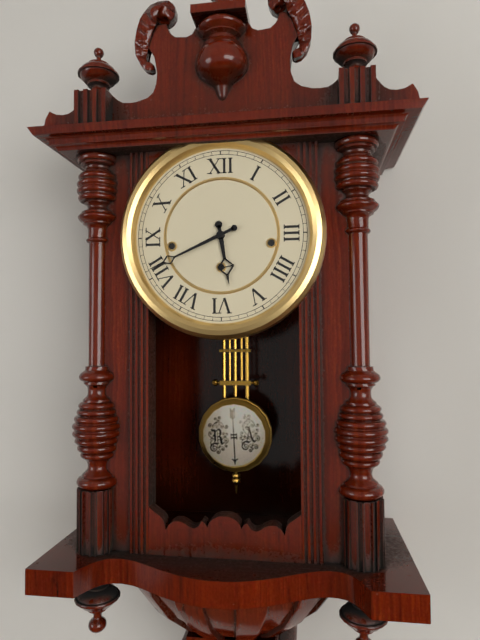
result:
5,41
